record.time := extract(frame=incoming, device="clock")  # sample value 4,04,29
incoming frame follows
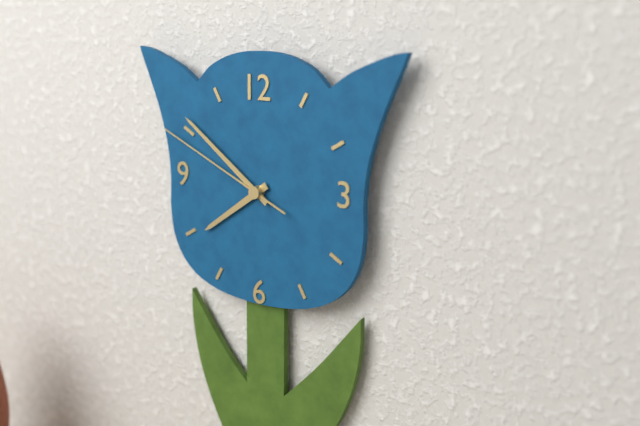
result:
7,51,49
